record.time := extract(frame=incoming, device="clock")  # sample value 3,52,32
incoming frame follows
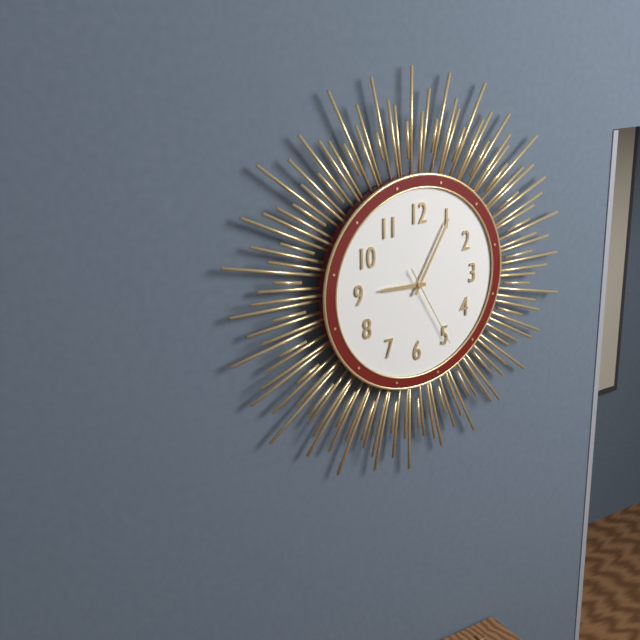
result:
9,05,25
